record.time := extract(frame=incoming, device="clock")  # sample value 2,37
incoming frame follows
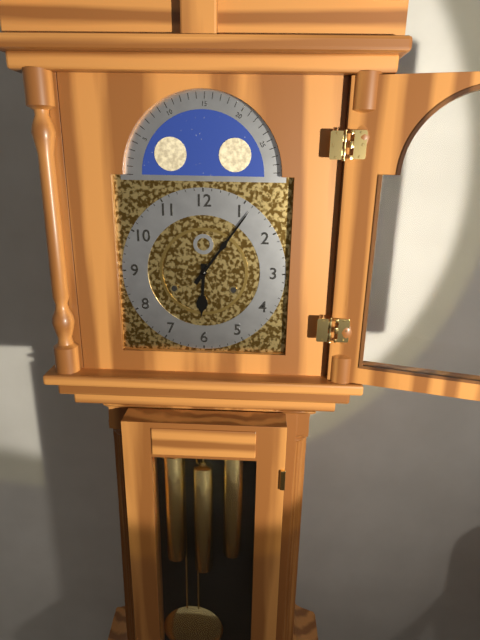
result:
6,06
